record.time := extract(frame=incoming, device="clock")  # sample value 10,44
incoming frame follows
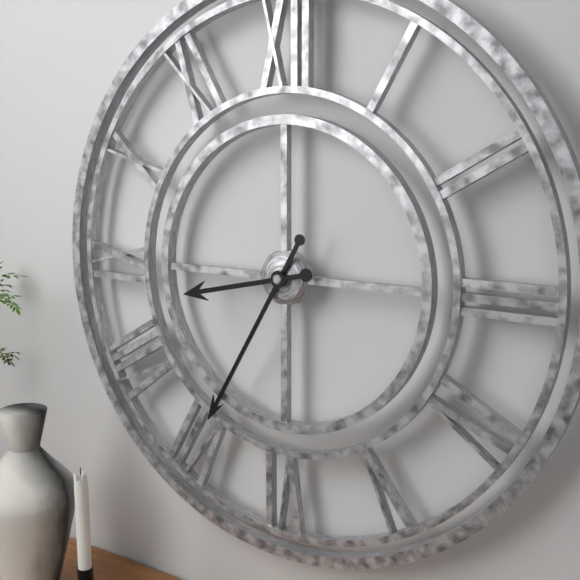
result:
8,35
